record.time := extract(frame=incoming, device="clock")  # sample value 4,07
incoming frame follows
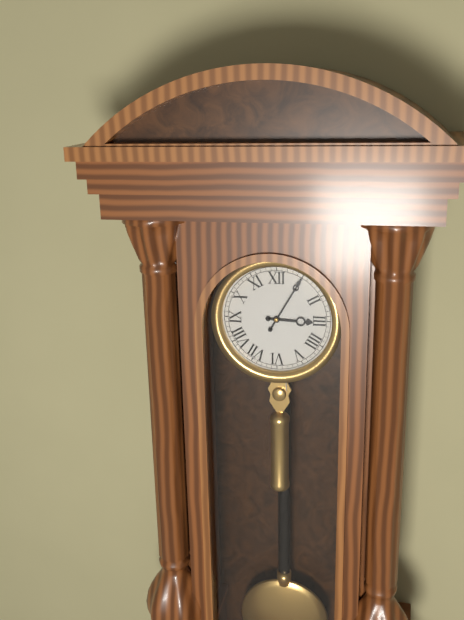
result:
3,05
